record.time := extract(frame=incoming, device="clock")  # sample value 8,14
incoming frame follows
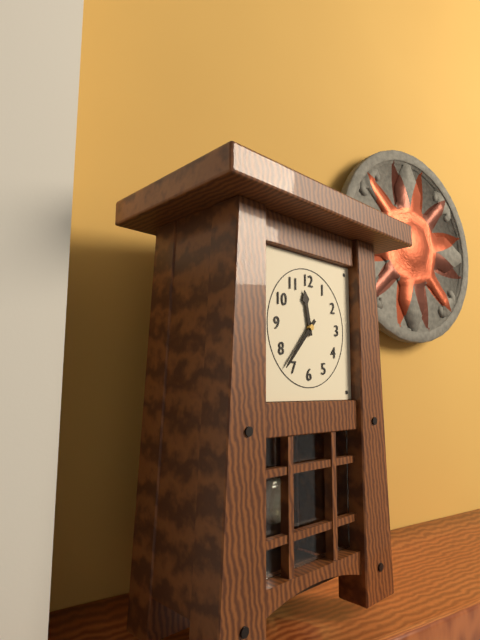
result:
11,37
